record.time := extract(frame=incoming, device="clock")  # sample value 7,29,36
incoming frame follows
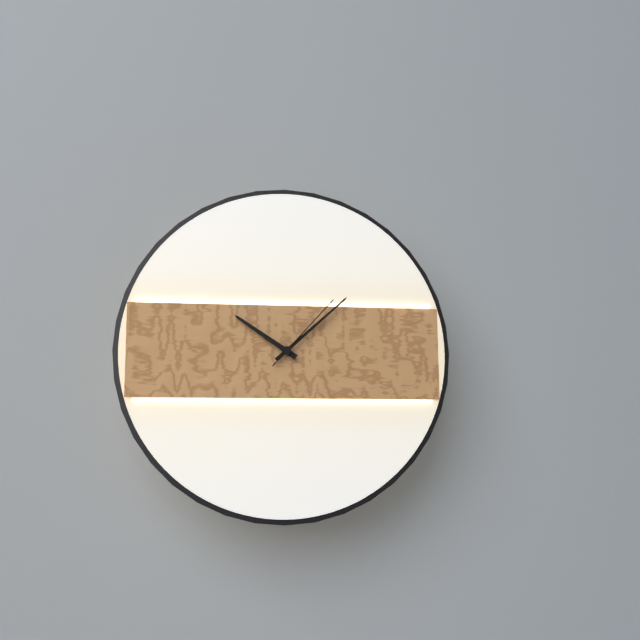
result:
10,08,07
